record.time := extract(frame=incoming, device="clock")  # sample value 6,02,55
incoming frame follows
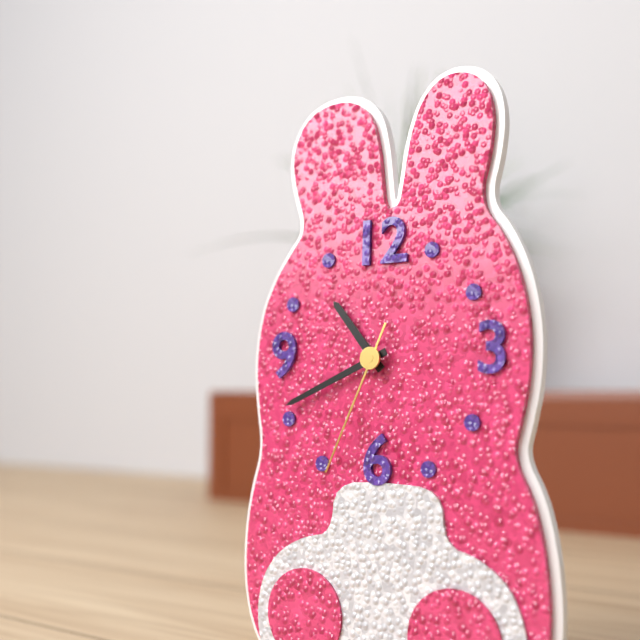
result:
10,41,34
